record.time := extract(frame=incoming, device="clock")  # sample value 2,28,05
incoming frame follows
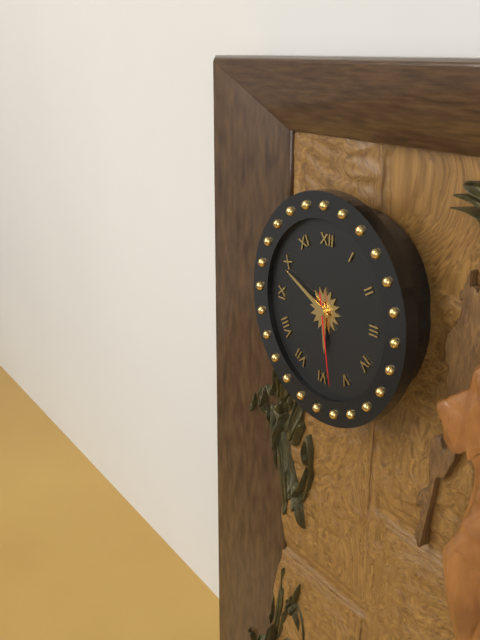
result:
5,49,28
